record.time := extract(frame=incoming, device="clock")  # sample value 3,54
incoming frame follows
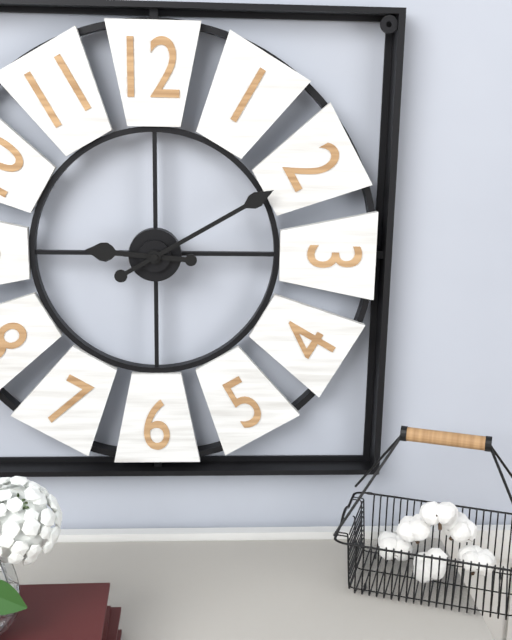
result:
9,10
